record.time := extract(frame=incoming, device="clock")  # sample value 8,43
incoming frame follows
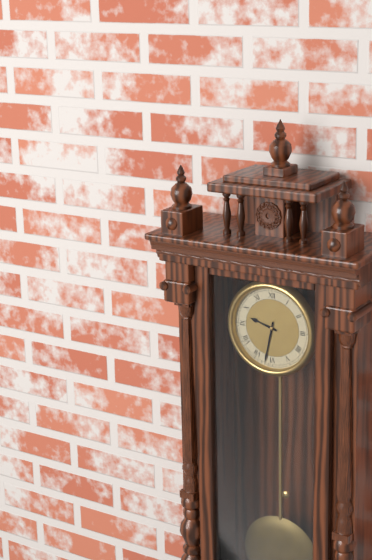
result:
9,32
